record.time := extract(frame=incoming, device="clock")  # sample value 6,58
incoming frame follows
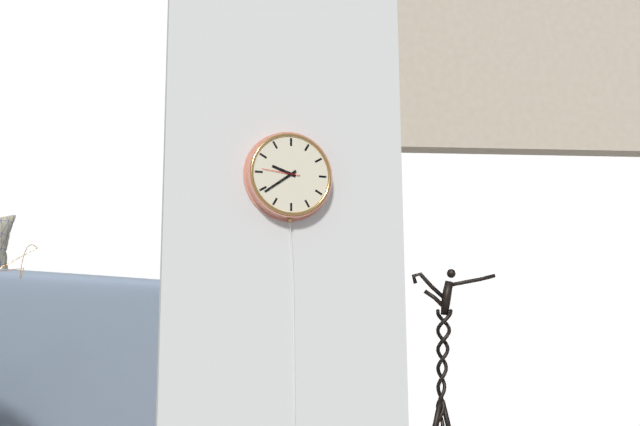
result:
9,39
